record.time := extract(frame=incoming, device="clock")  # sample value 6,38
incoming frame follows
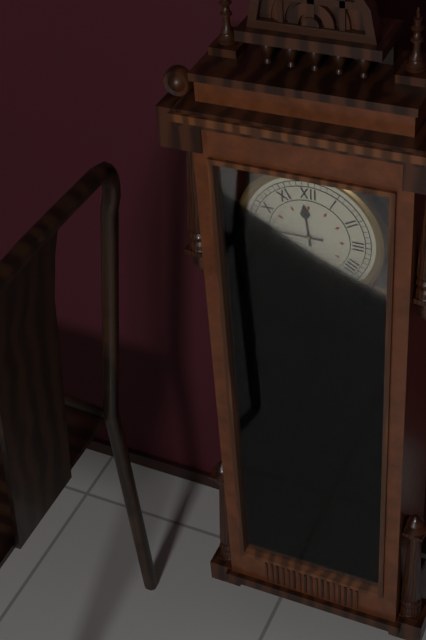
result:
11,45
